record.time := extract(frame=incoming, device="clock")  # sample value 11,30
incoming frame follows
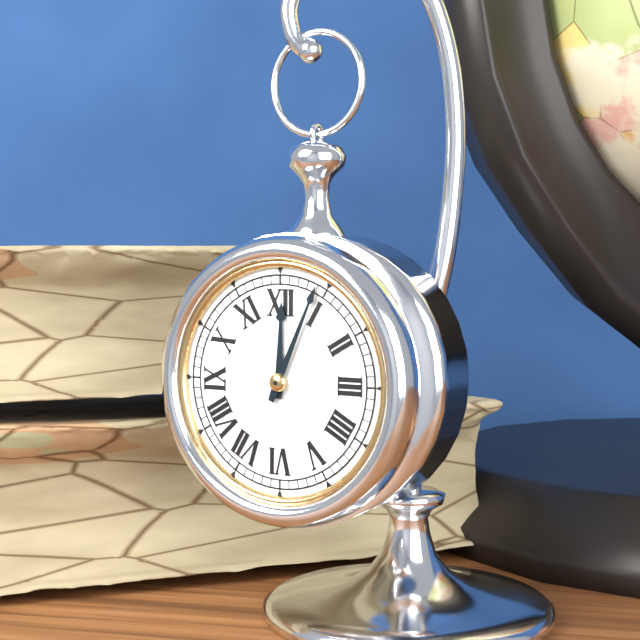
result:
12,04
